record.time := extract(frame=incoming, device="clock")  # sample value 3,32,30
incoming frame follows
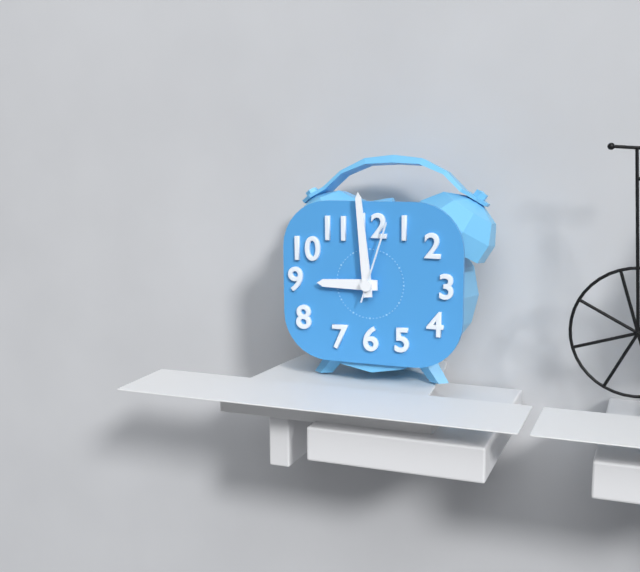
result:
8,59,03
